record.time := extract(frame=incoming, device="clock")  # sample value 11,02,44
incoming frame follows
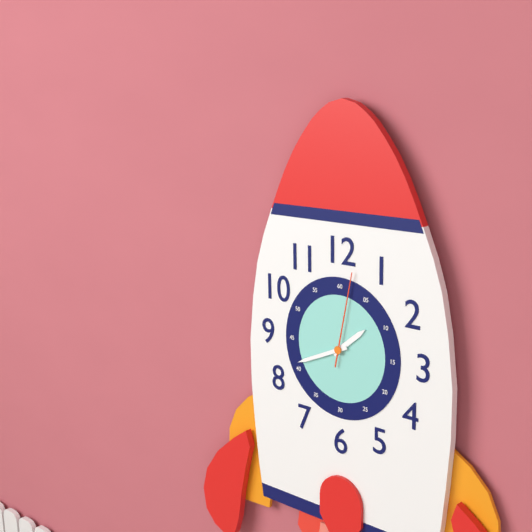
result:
1,41,02
